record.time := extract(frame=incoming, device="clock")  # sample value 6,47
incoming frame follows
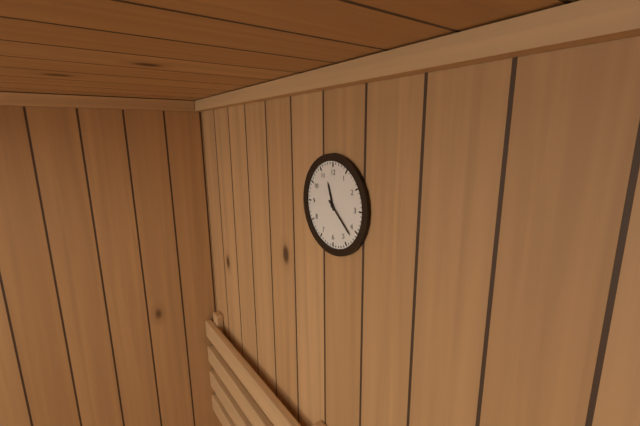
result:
11,22
